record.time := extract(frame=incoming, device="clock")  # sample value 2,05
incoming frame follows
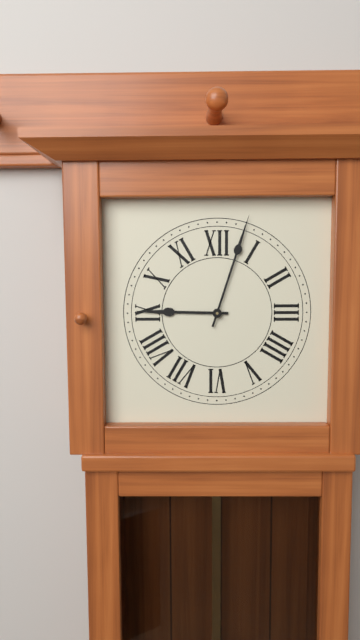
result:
9,03
